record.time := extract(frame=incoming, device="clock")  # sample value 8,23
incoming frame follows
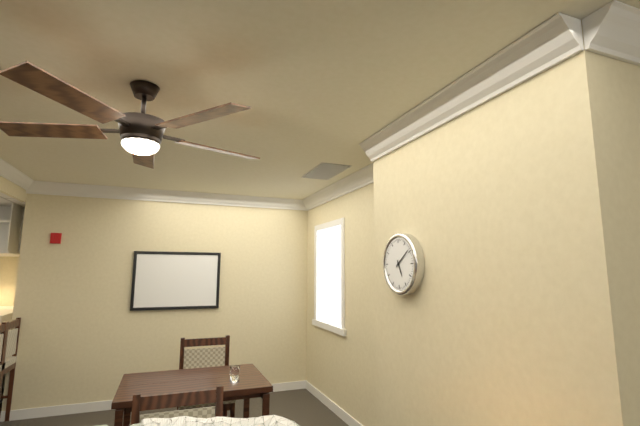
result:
5,09
